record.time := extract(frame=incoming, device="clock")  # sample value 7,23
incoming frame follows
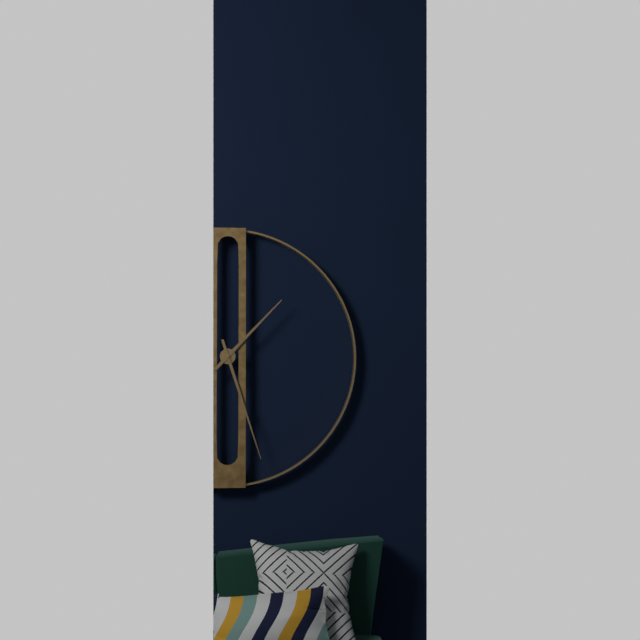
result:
1,27
